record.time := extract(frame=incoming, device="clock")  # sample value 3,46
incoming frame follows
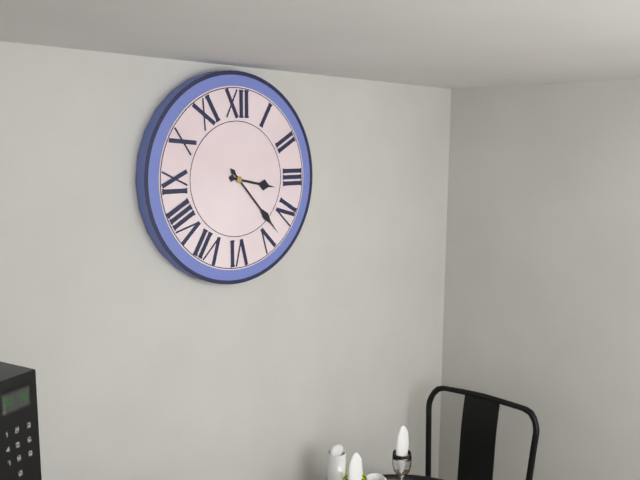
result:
3,23
